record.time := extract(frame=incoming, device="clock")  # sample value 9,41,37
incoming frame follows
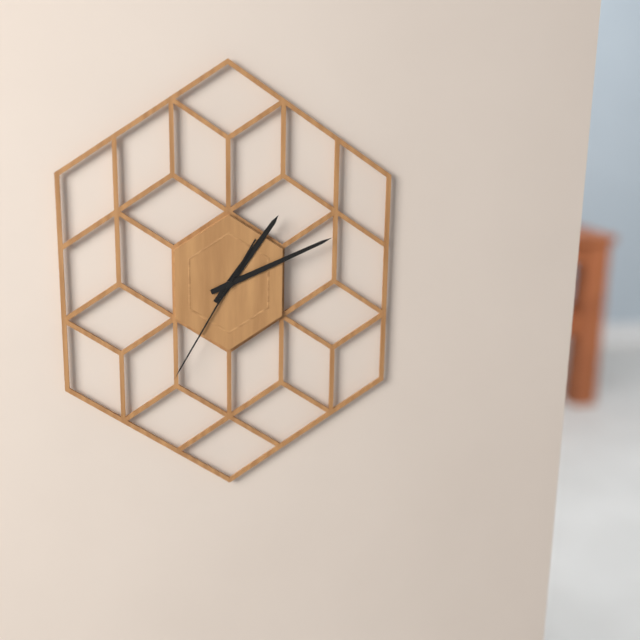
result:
1,11,35
